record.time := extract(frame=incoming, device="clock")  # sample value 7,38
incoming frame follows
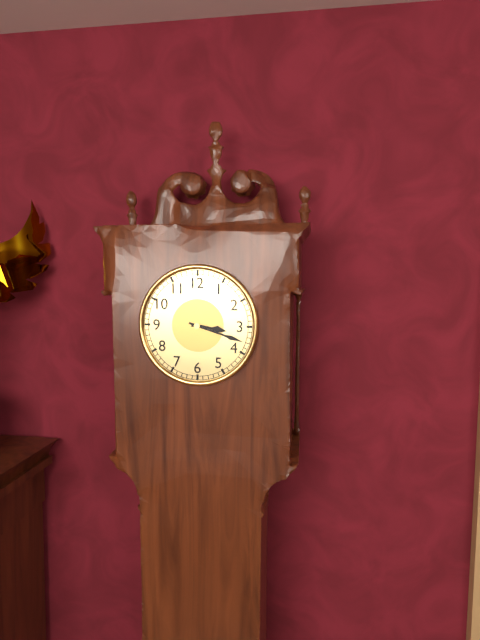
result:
3,18
